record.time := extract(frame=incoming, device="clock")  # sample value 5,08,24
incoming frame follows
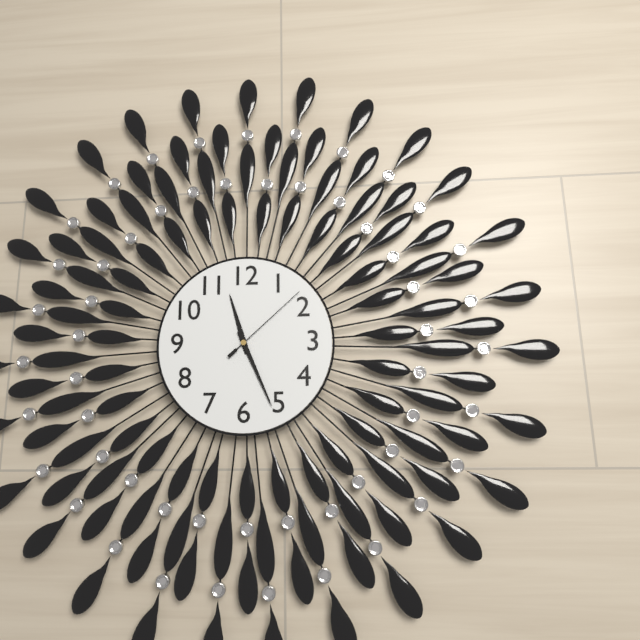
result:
11,26,08
